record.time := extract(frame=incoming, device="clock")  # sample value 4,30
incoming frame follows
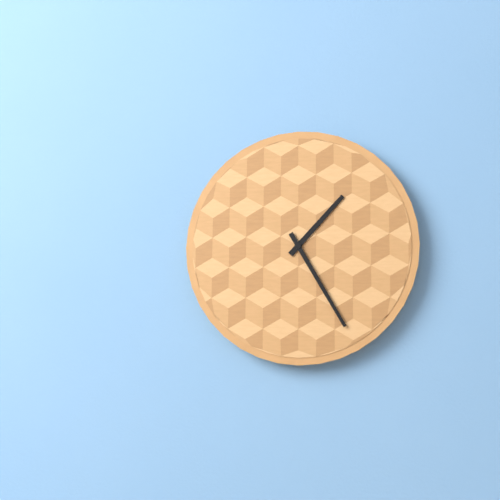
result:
1,25
